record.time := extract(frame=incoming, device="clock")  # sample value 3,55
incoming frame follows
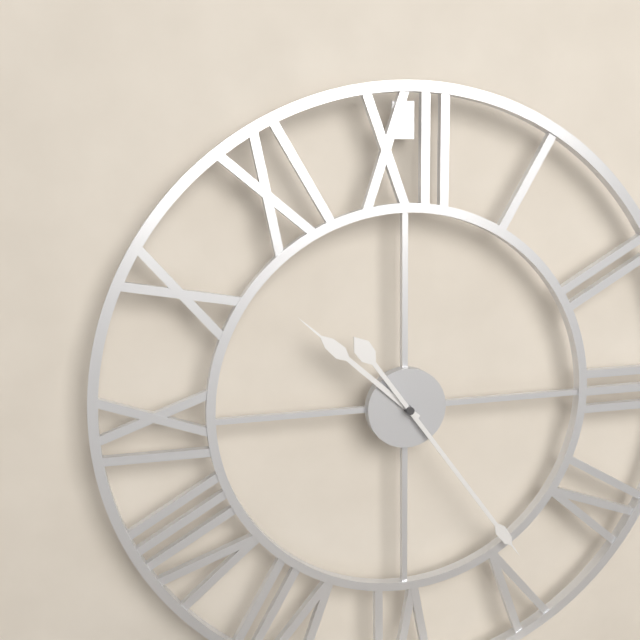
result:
10,24
